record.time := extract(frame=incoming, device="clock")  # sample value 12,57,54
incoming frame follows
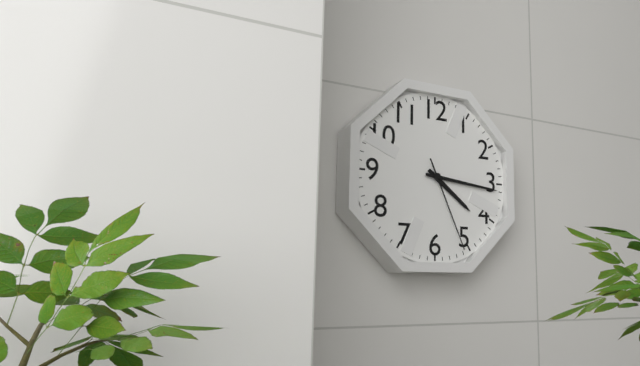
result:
4,16,26
